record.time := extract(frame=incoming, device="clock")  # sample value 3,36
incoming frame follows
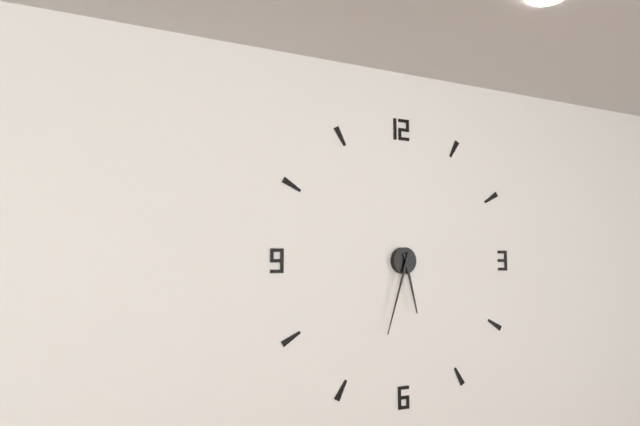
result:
5,33
